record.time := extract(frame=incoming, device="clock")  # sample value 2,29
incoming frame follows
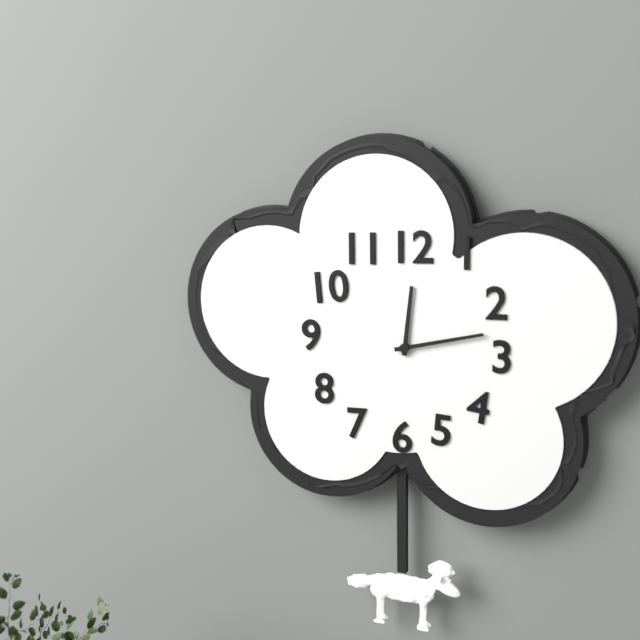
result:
12,13
